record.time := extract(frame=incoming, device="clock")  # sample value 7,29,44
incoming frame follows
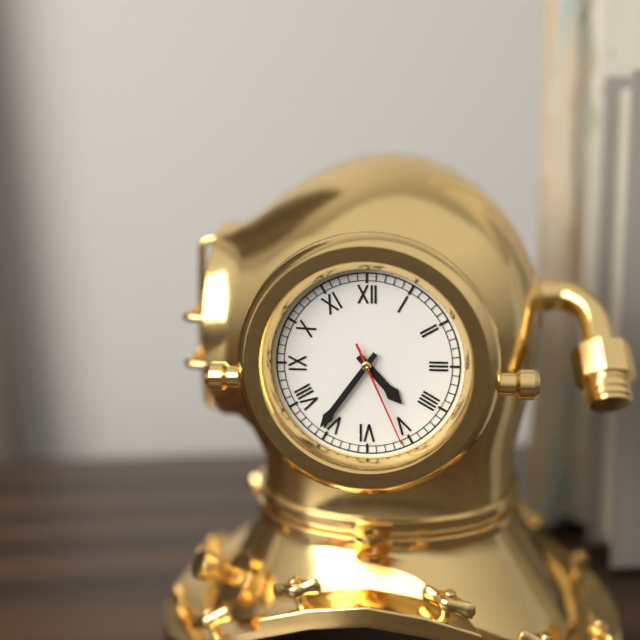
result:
4,36,26
